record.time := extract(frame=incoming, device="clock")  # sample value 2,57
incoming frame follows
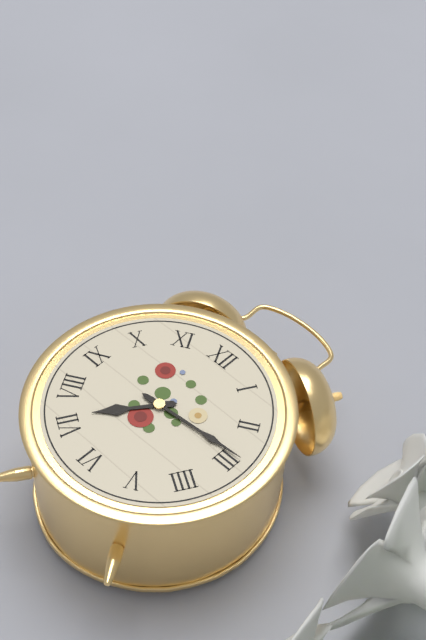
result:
7,14
